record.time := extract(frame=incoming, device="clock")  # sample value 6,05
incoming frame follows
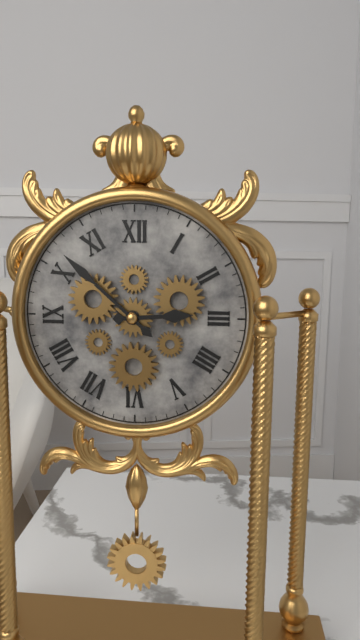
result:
2,52
